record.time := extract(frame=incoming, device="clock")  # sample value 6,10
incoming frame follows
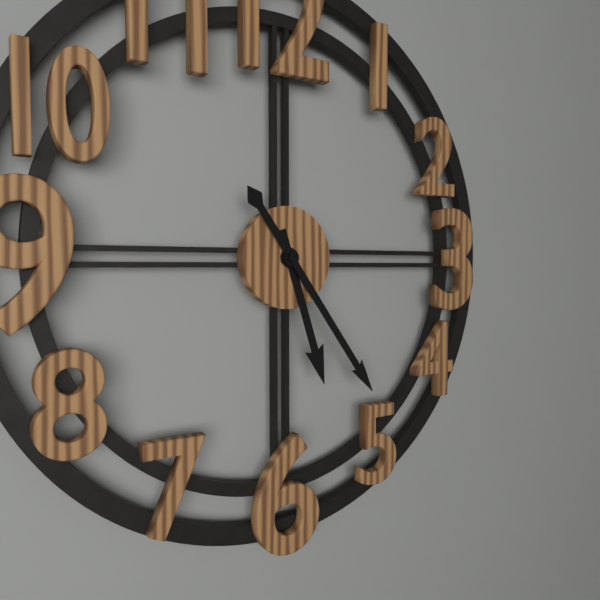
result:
5,24
